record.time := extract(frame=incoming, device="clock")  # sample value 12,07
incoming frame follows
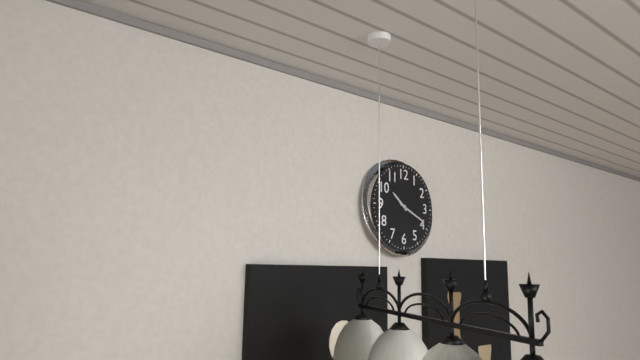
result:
10,19
